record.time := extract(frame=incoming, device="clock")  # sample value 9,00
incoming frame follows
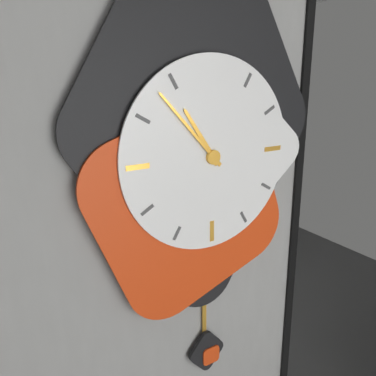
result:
10,53
